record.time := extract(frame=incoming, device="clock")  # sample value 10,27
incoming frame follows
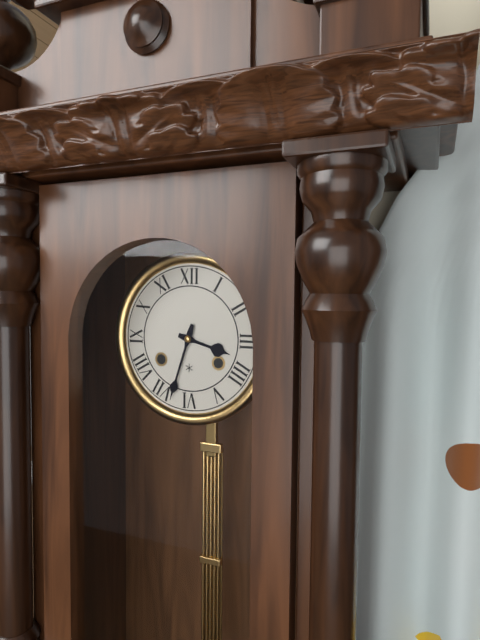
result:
3,33
